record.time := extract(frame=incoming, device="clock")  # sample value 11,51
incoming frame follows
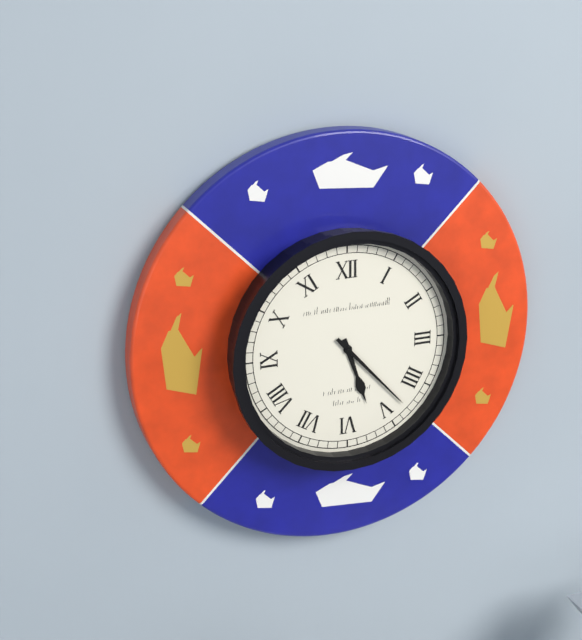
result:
5,23
